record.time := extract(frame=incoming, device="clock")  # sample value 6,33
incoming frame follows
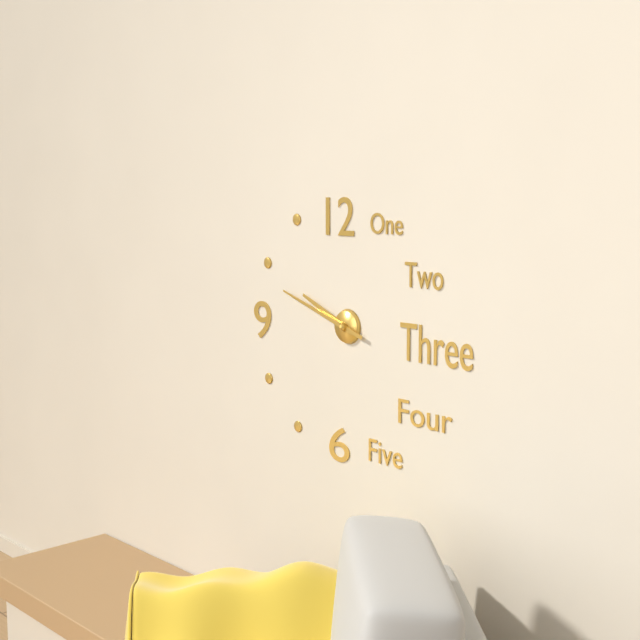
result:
9,48
